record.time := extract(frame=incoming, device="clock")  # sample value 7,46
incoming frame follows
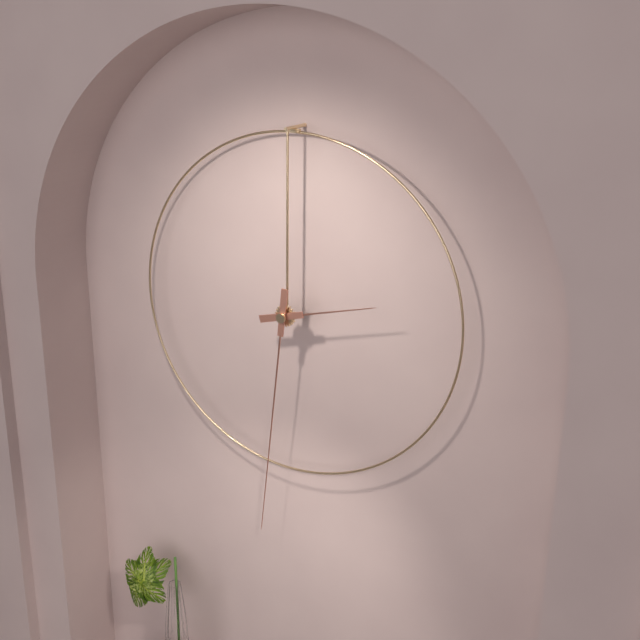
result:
2,31
